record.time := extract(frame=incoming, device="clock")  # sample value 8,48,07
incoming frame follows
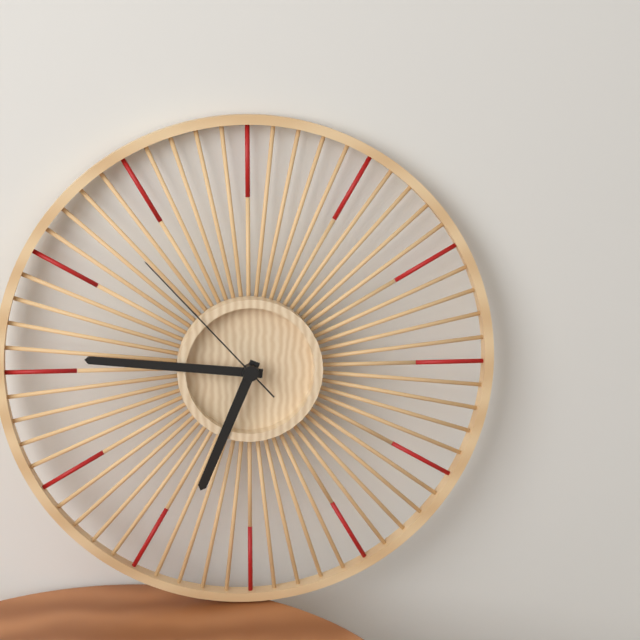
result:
6,46,53
